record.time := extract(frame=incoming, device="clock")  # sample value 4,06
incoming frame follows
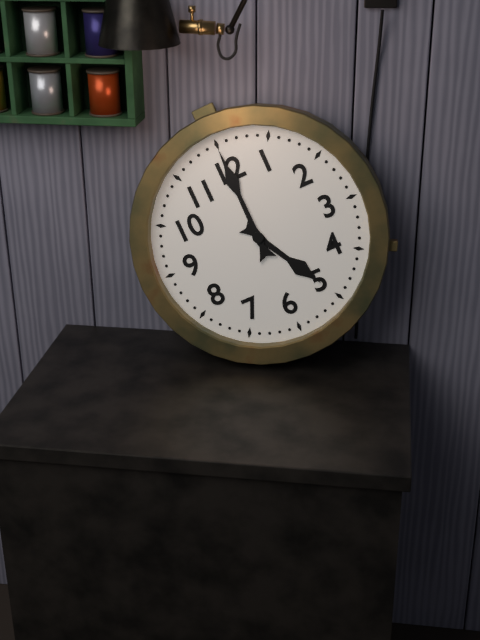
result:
5,00
